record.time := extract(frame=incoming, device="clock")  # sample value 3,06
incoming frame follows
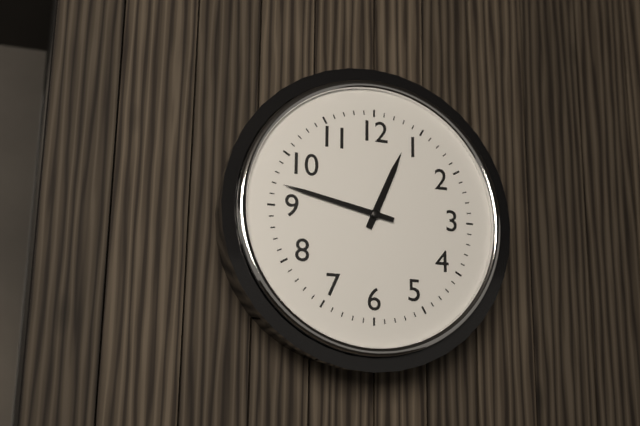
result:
12,47
